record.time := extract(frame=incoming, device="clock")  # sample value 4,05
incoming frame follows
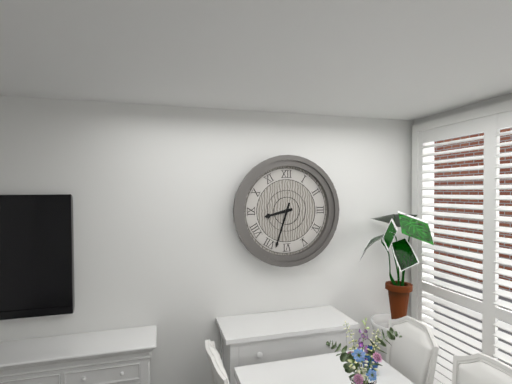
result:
8,33
